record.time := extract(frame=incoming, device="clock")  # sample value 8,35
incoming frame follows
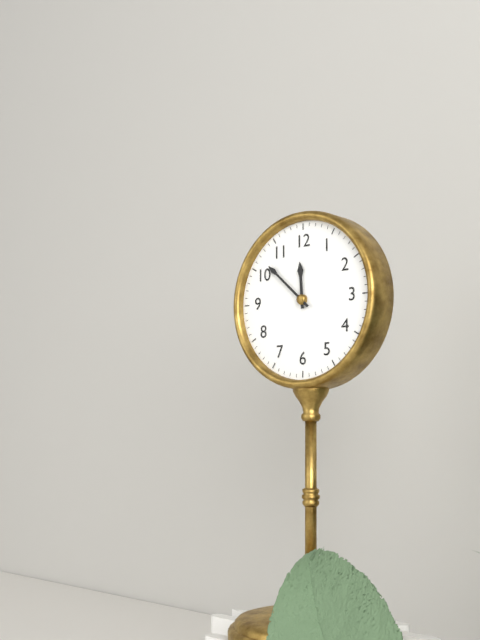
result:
11,52
